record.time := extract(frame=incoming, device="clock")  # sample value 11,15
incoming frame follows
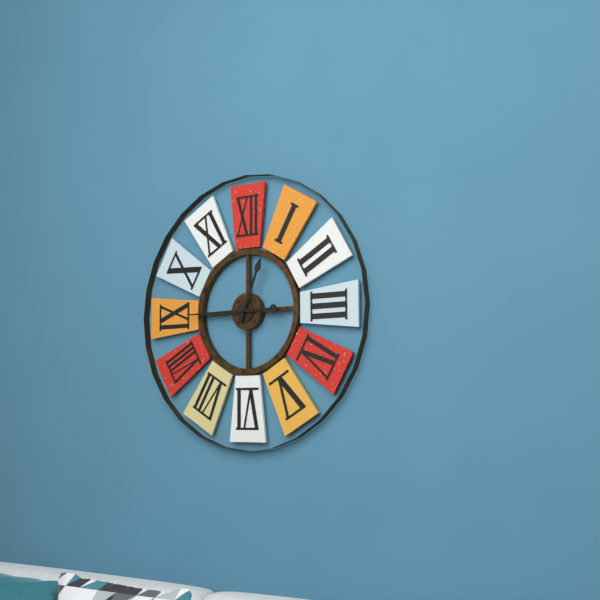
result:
12,45
